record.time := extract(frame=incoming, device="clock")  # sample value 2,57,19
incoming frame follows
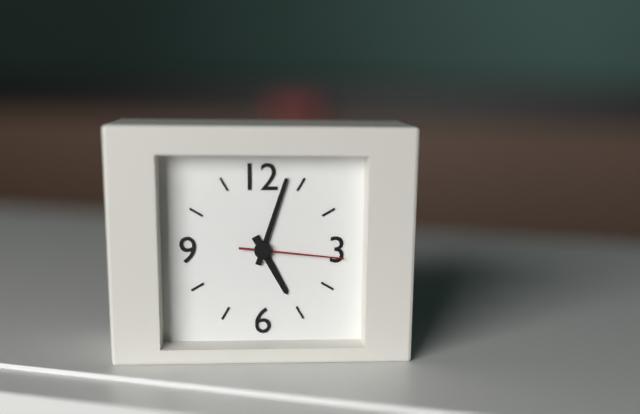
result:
5,03,16
